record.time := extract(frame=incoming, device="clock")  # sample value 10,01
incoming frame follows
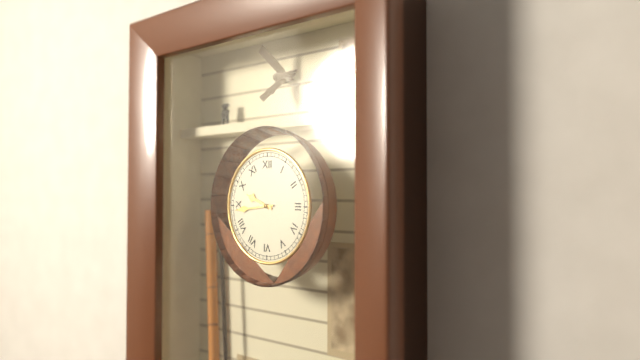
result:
9,44
